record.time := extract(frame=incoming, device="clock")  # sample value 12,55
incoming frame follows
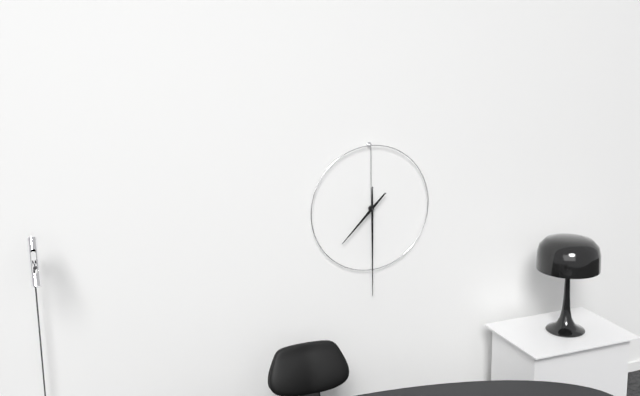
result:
7,30
